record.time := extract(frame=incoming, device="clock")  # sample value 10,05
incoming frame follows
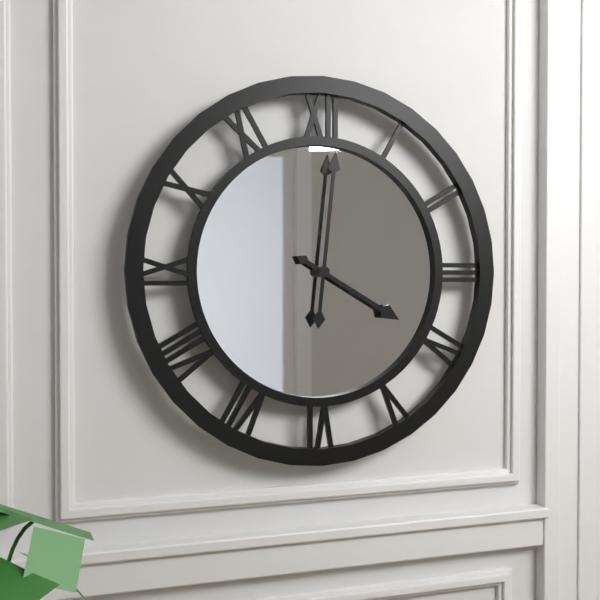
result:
4,01
